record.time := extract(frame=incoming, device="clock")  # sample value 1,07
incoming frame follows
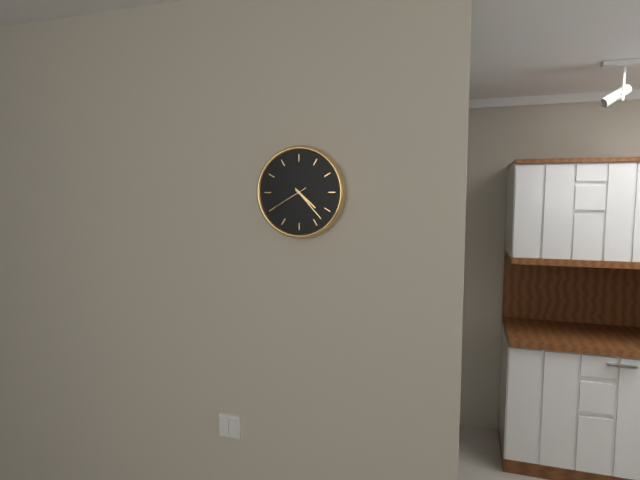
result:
4,23
